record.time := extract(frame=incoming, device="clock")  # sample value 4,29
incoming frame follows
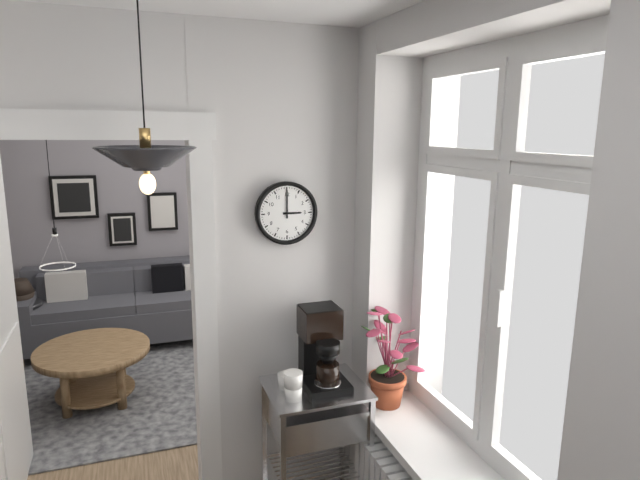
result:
3,00
